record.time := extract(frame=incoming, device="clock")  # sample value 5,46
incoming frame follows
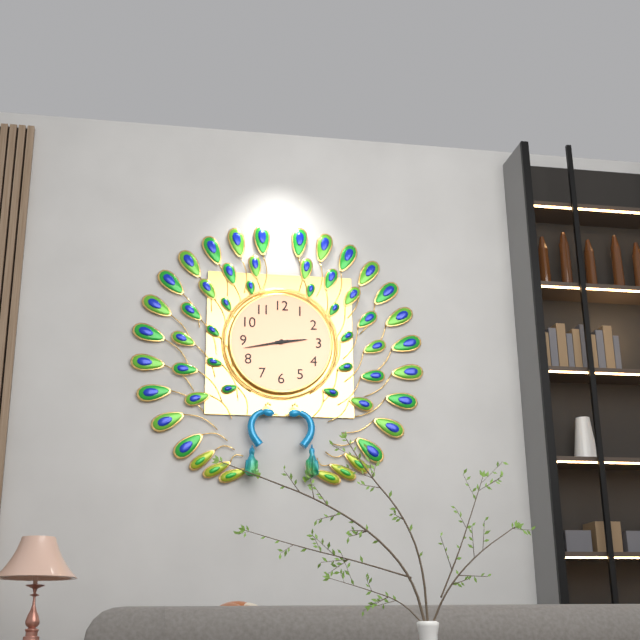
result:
2,43
